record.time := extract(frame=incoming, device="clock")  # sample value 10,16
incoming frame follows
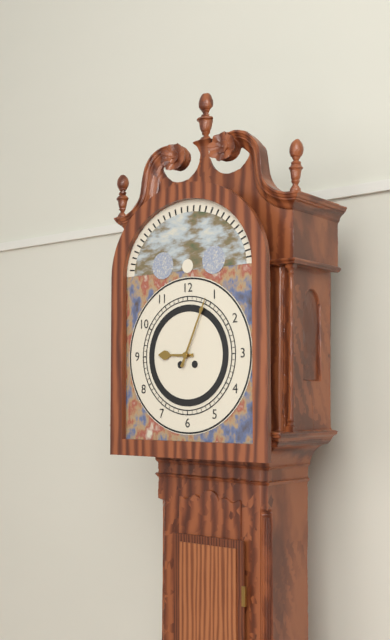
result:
9,04
